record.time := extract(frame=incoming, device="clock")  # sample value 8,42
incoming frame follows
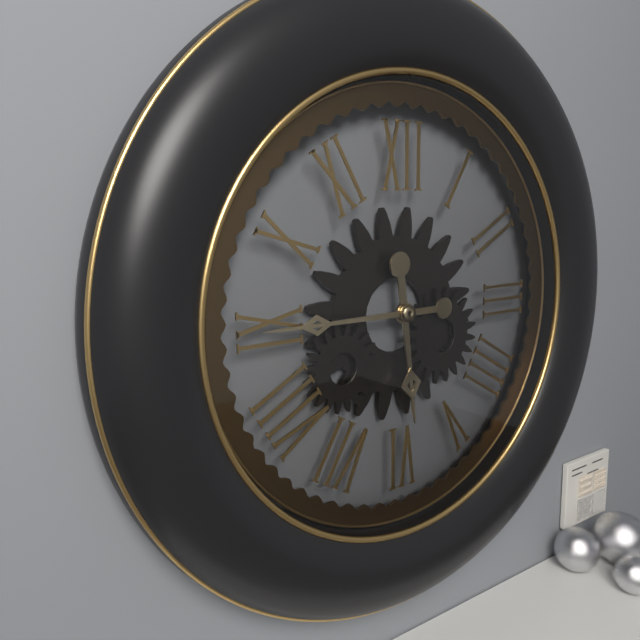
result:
5,45
